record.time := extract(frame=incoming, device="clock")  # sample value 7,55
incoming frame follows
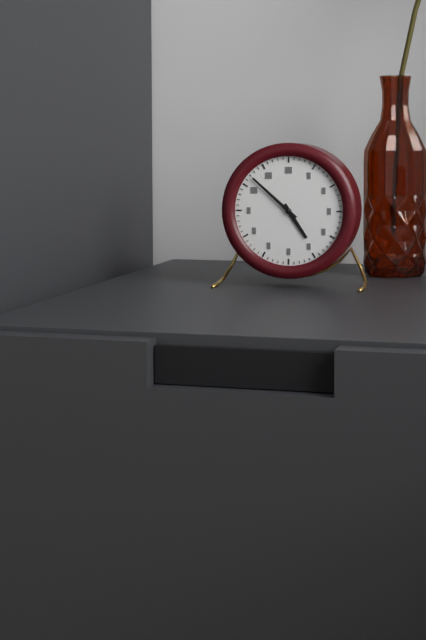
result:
4,52
